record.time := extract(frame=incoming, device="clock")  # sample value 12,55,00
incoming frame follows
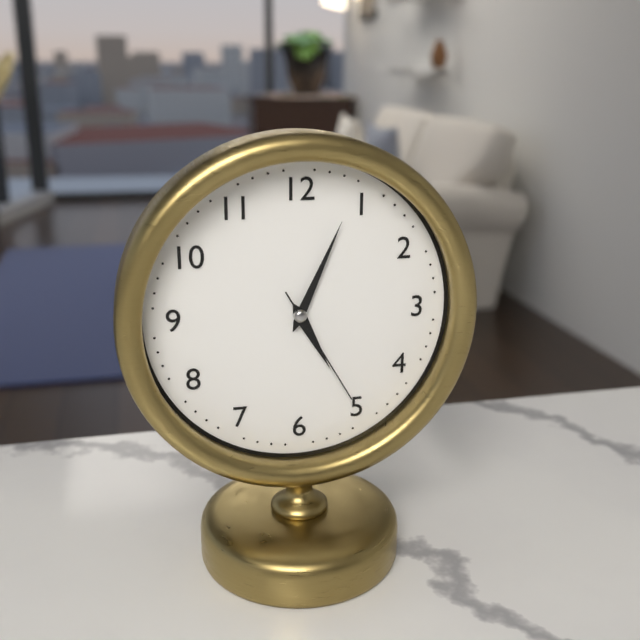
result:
5,04,25
